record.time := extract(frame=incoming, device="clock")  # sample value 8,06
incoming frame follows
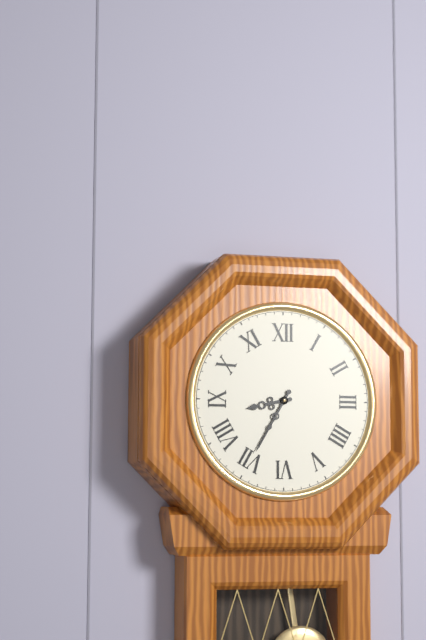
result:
8,35
